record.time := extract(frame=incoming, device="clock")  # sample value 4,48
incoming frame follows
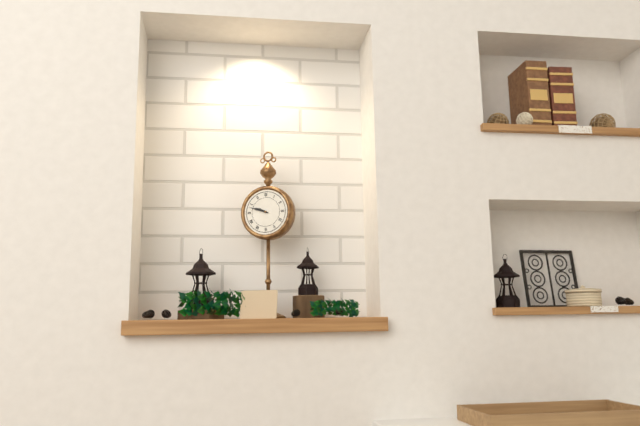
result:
9,48
